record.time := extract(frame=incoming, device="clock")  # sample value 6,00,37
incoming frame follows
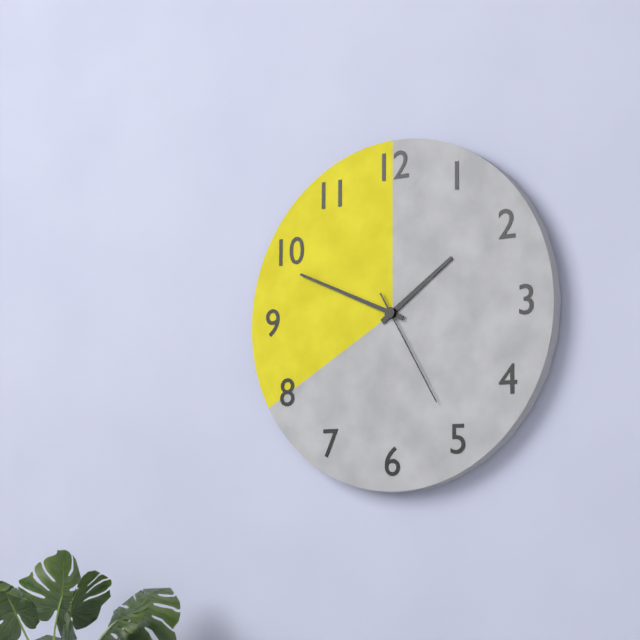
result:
1,49,25
